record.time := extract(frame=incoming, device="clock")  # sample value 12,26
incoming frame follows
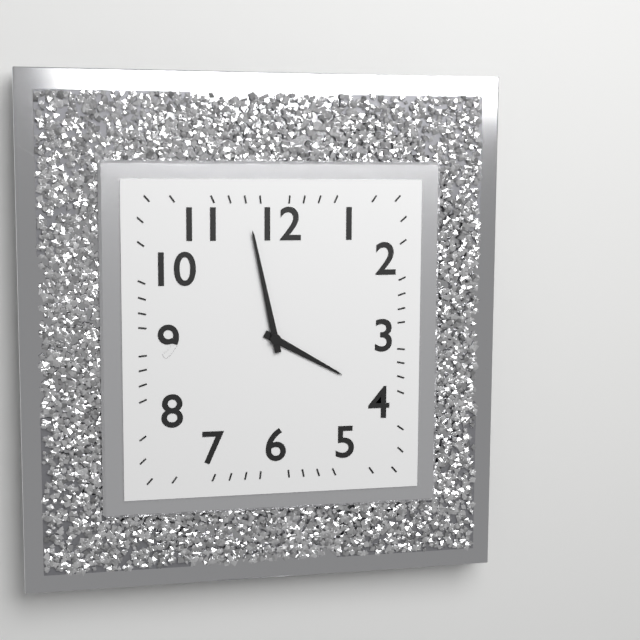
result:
3,58
